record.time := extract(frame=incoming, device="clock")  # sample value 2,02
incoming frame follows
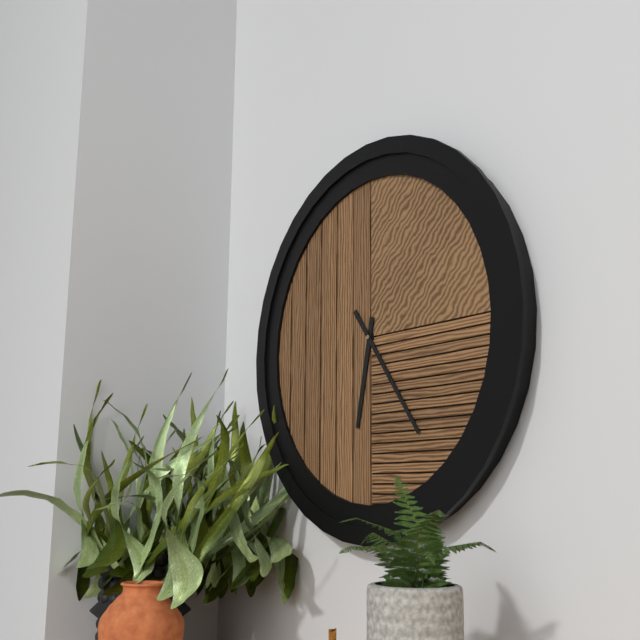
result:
6,24
